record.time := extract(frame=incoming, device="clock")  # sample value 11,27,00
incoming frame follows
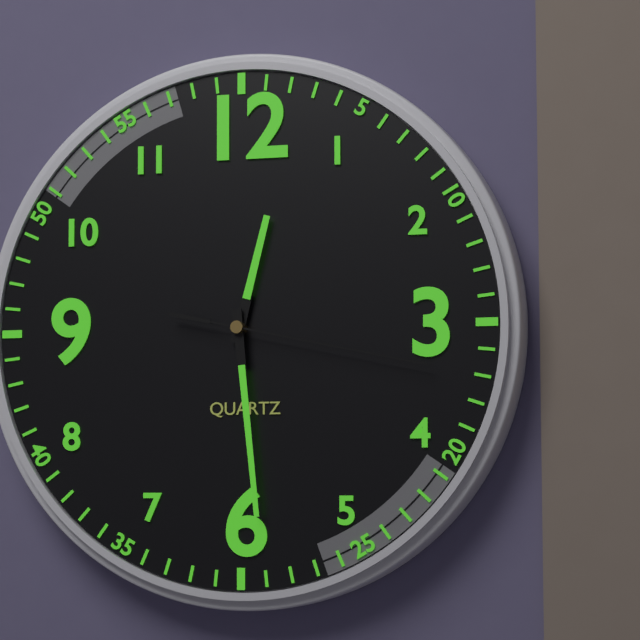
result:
12,29,17
